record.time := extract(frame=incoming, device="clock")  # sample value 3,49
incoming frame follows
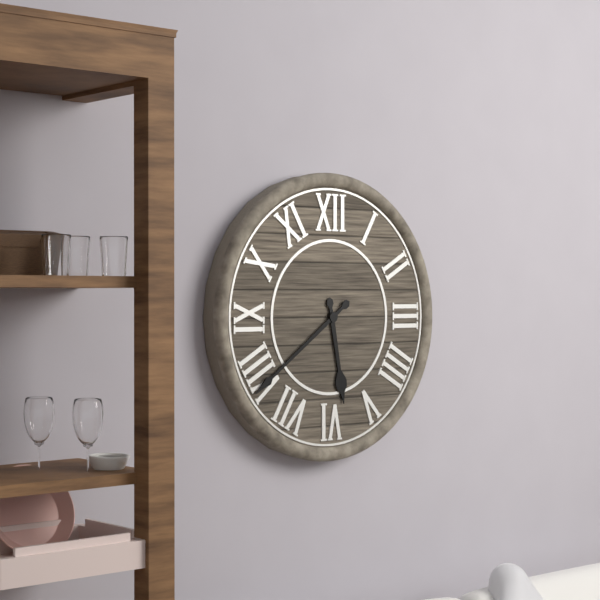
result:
5,39
